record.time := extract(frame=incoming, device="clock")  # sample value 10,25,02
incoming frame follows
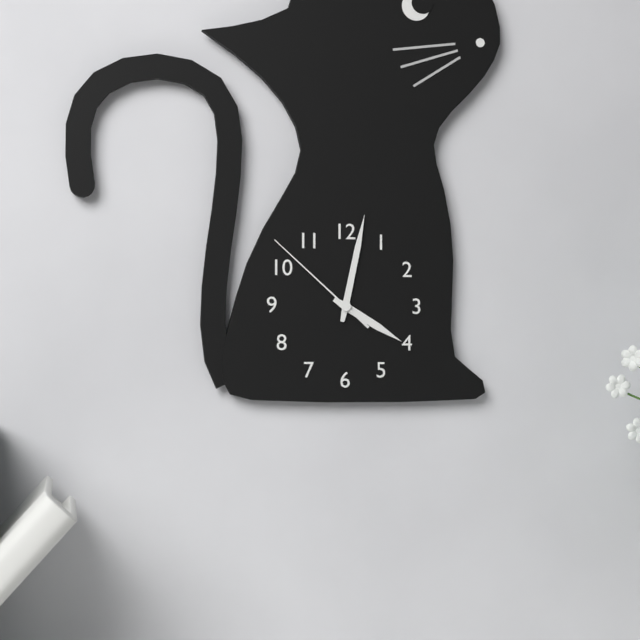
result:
4,02,52
